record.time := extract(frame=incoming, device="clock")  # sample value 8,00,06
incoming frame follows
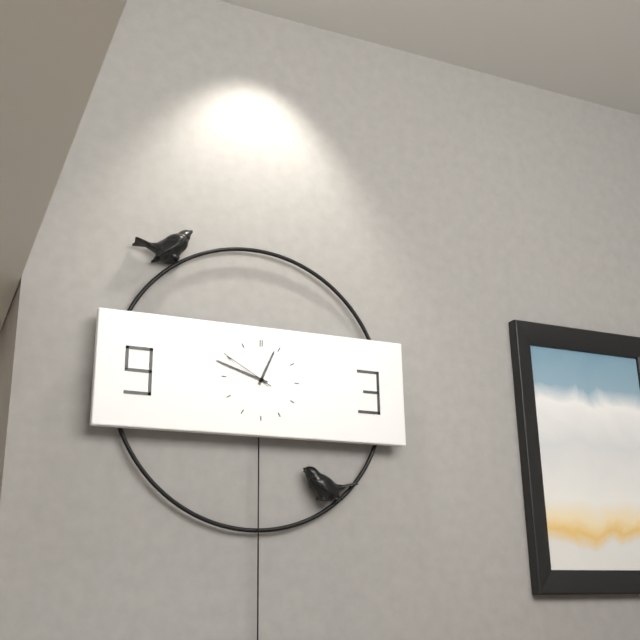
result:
12,48,50
